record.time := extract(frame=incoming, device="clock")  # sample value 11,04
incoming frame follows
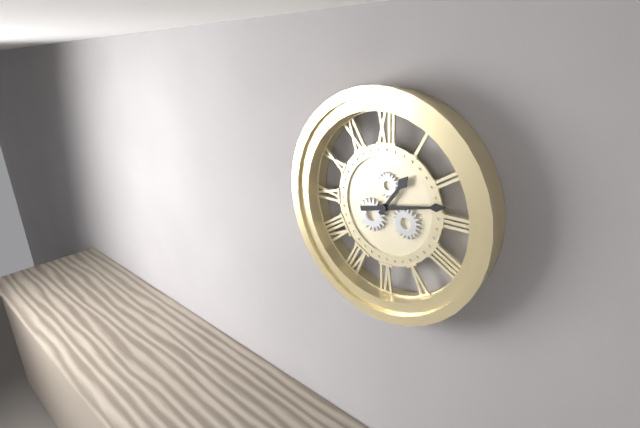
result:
1,13
